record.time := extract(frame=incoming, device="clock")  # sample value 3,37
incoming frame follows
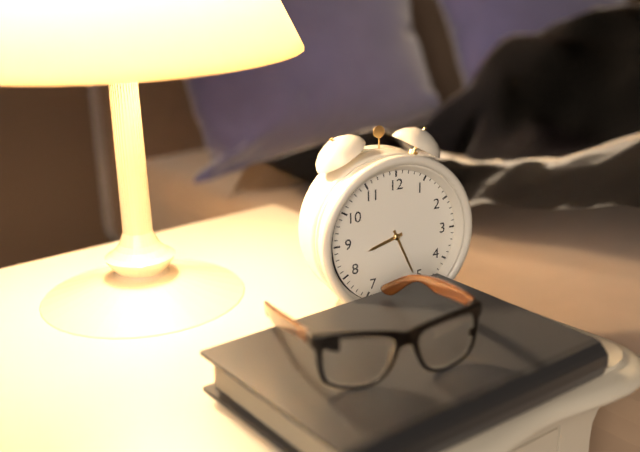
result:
8,26
